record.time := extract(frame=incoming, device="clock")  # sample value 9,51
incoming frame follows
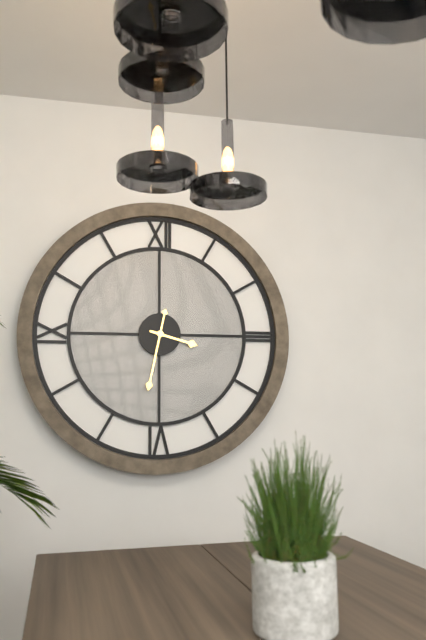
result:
3,32
